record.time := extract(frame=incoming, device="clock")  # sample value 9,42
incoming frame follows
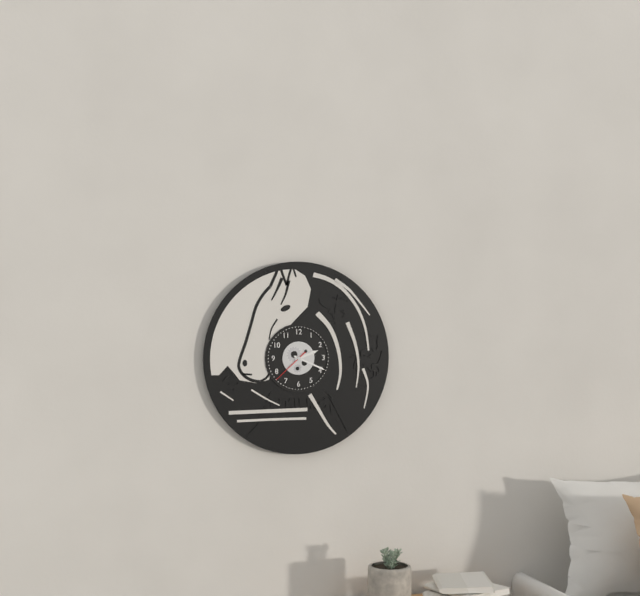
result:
2,19
